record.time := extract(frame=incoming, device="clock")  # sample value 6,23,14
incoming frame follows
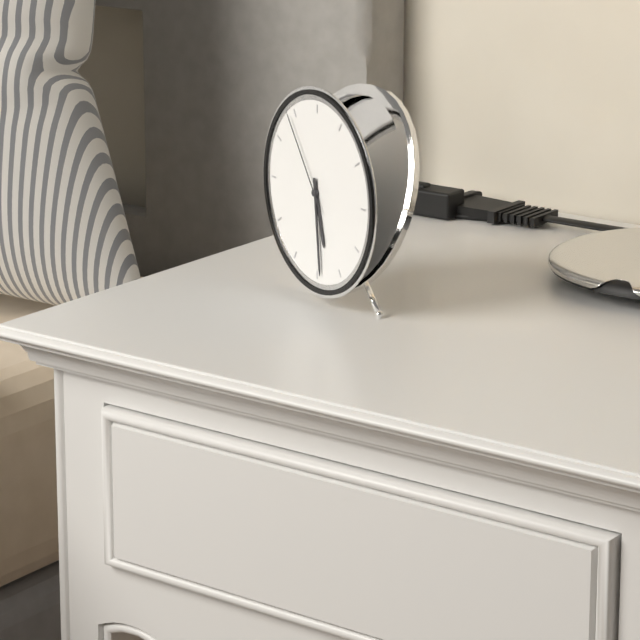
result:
5,29,54
